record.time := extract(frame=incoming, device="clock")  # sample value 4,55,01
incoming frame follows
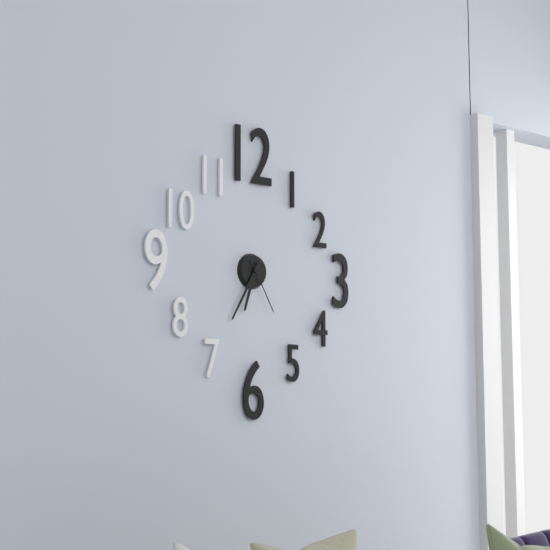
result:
6,35,25
